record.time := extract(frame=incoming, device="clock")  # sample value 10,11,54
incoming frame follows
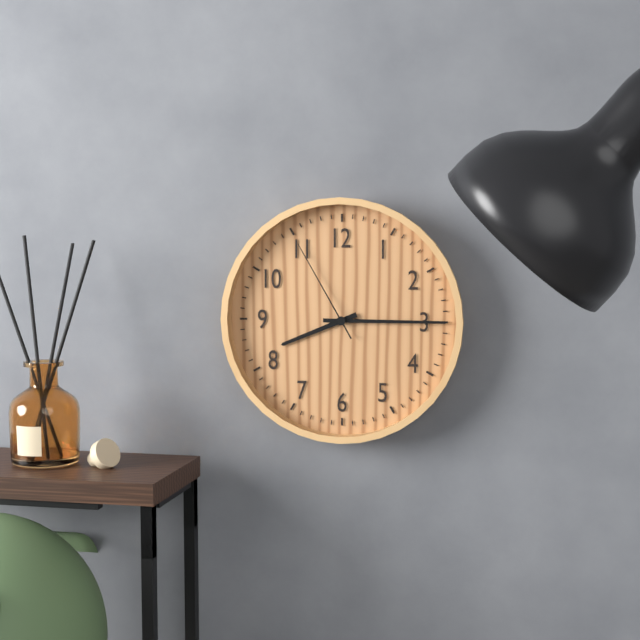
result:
8,15,55
